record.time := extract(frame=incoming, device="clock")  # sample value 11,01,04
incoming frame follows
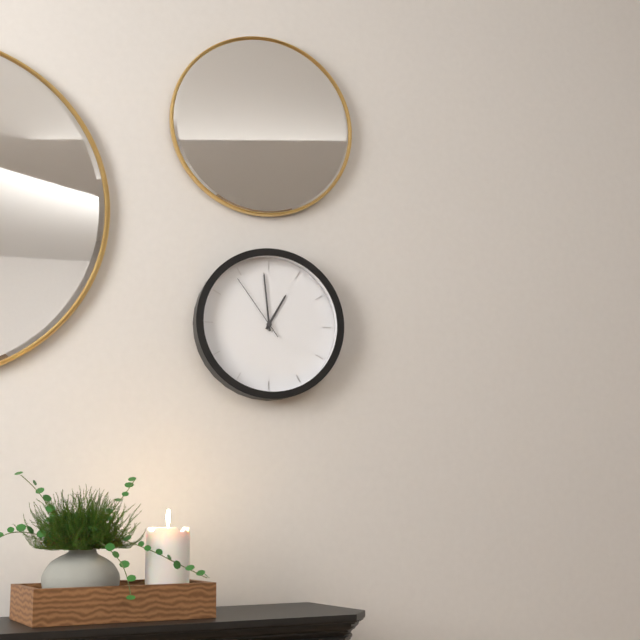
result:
12,59,54
